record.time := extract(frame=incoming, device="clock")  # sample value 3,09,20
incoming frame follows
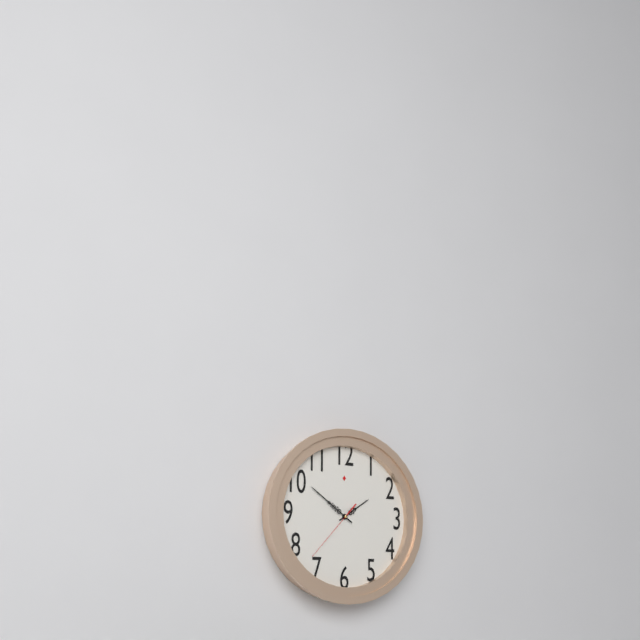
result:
1,51,37
